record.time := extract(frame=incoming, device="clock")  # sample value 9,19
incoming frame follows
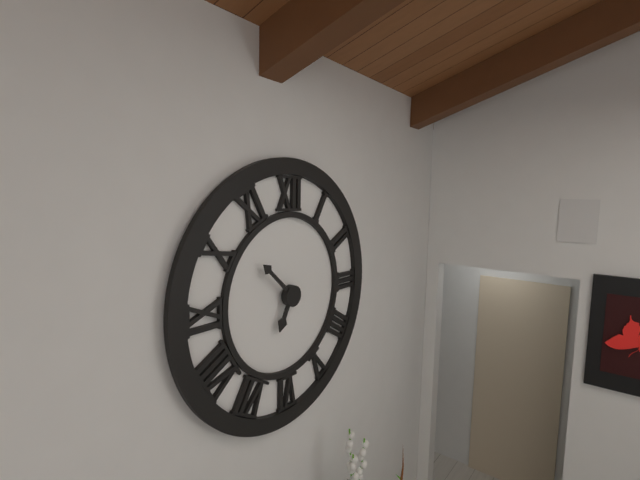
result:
6,52
